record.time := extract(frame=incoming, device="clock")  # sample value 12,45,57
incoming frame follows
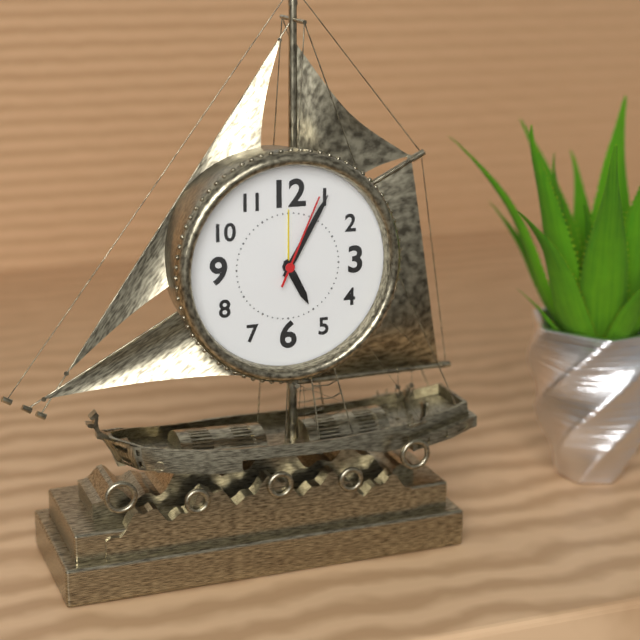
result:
5,05,04
